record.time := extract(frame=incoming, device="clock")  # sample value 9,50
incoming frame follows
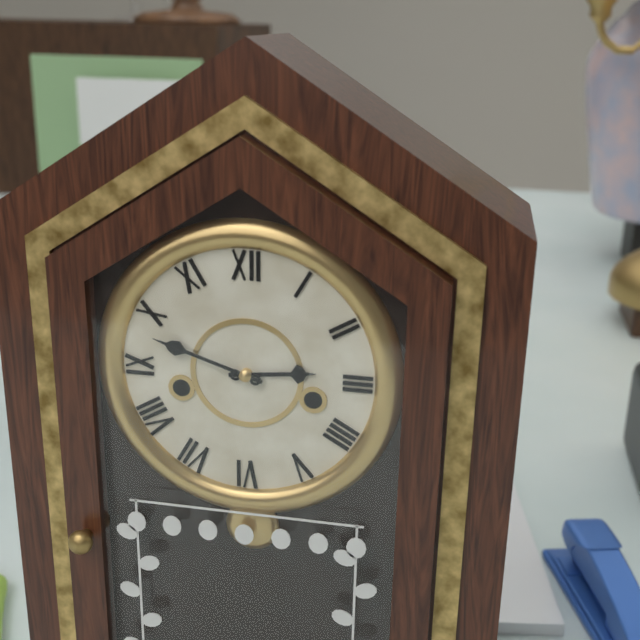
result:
2,48
